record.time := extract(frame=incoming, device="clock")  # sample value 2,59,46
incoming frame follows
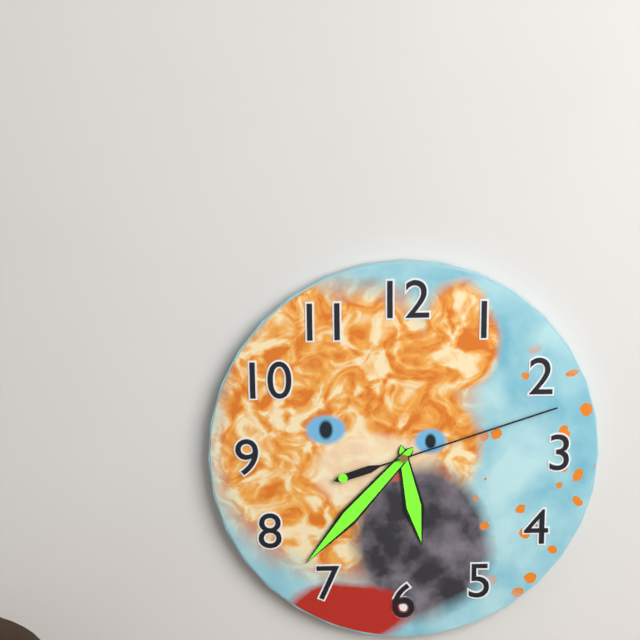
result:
5,37,12
